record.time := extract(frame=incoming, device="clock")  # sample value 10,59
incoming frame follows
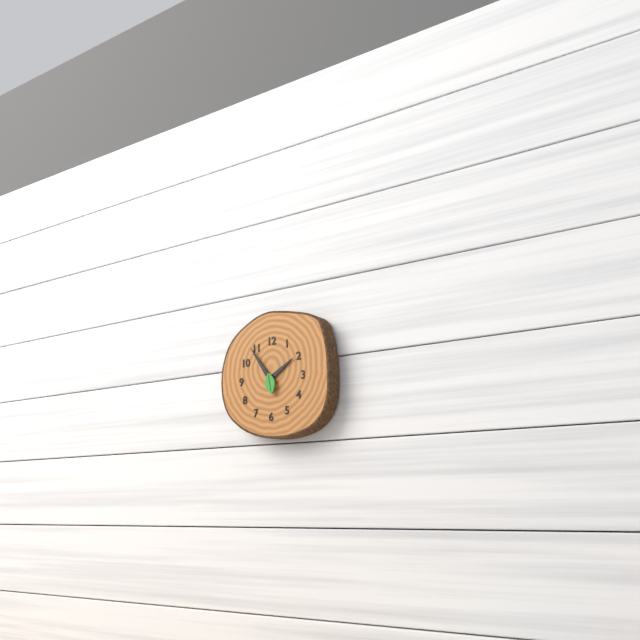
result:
1,54
